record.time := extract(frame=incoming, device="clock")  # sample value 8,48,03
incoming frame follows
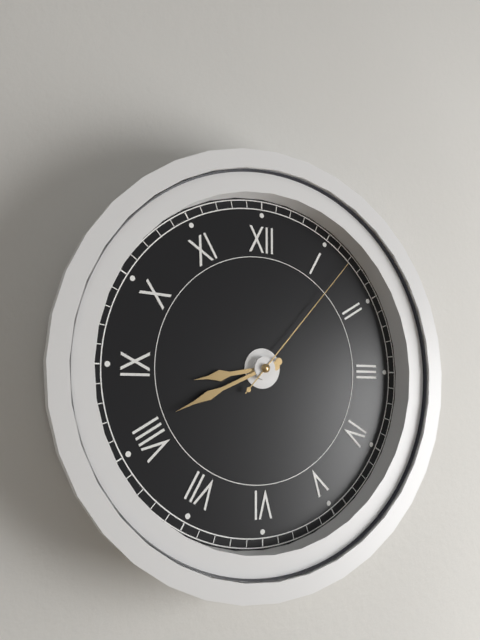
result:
8,41,07
